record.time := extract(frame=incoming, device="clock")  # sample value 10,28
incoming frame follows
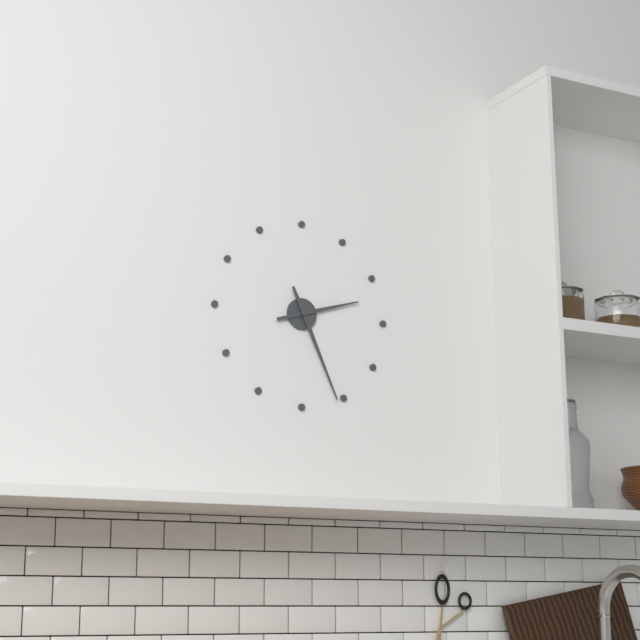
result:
2,26
